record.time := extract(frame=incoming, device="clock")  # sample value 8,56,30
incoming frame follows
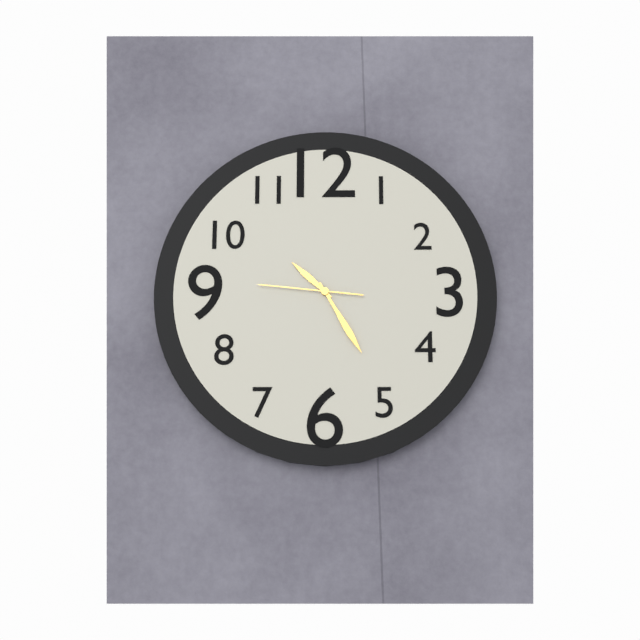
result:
10,25,46
